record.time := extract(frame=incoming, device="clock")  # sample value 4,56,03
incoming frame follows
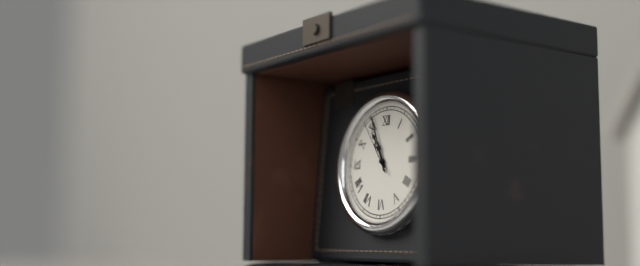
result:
10,56,54
